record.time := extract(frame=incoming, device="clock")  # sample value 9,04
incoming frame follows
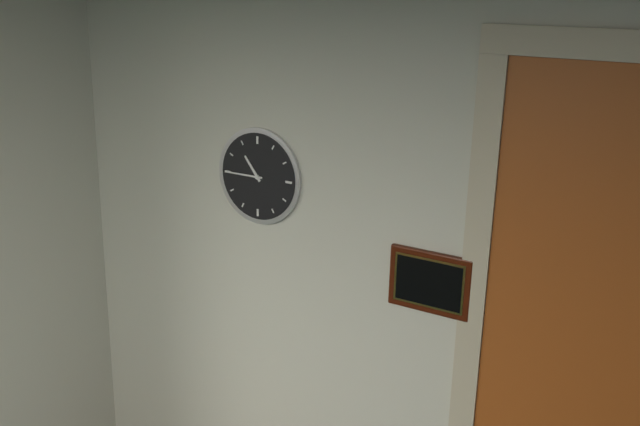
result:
10,45
